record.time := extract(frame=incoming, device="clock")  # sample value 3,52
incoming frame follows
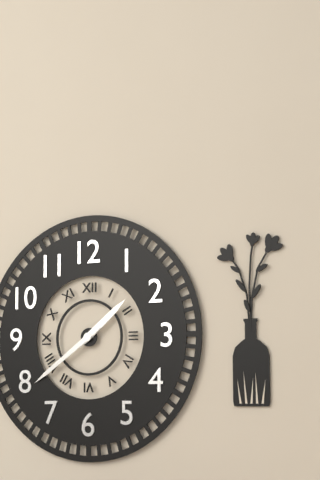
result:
1,39
